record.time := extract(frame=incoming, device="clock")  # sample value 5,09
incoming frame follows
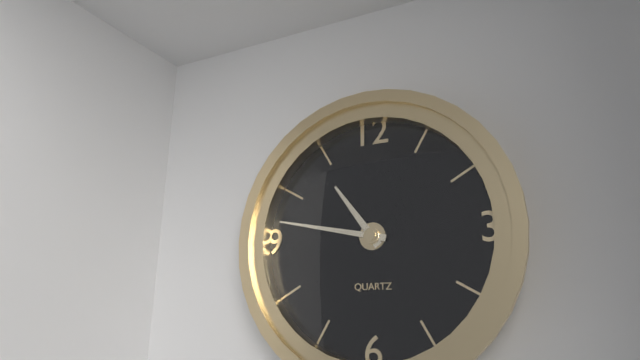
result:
10,47
